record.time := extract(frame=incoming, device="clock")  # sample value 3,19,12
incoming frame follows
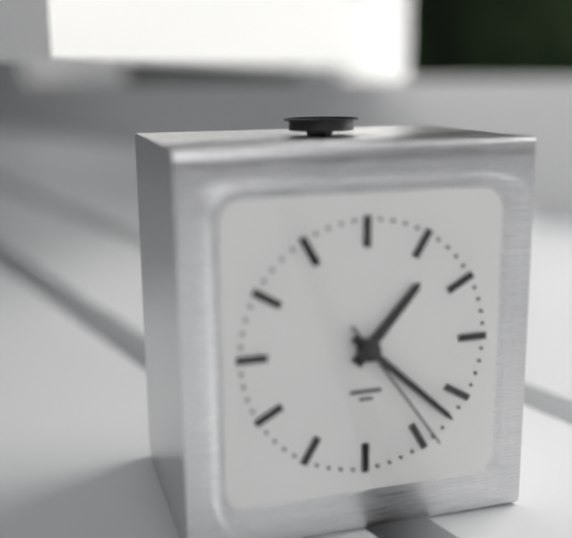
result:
1,22,24
